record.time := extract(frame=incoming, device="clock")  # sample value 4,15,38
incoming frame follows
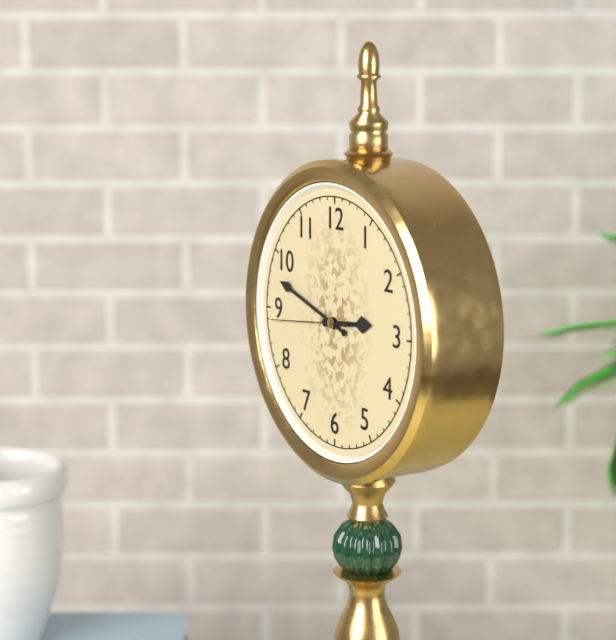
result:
2,48,44
